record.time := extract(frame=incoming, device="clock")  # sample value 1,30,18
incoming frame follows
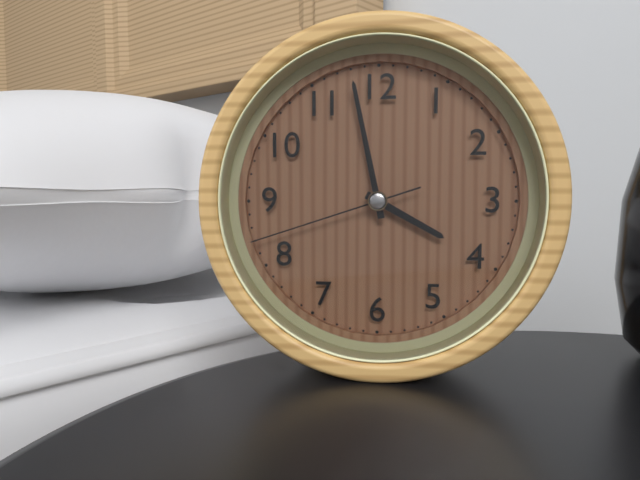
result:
3,58,42
